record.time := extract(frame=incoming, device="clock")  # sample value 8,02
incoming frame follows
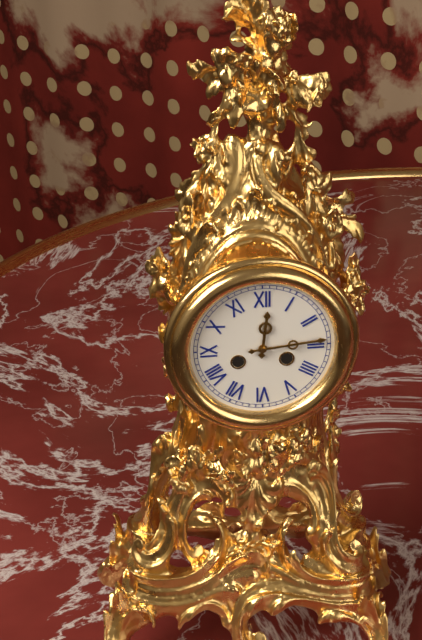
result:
12,14
